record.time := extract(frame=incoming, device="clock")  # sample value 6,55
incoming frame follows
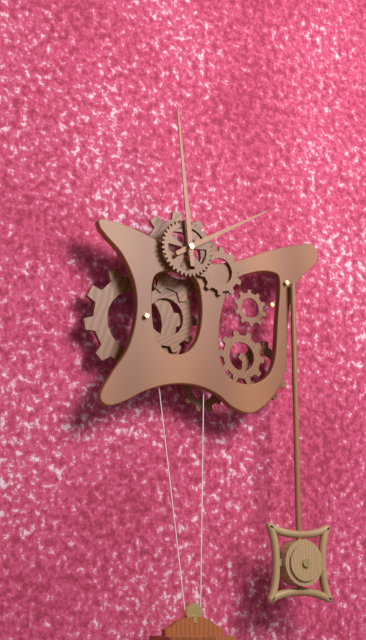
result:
1,59
